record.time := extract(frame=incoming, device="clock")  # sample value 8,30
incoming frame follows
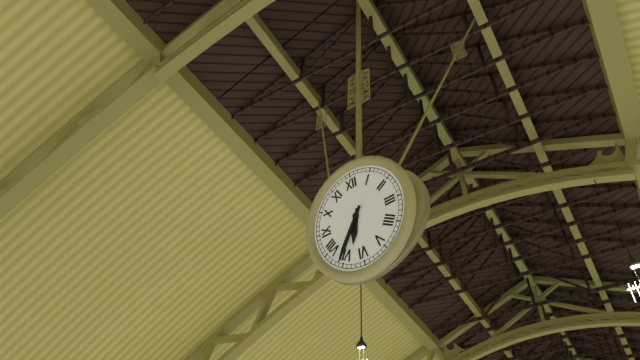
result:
6,36
